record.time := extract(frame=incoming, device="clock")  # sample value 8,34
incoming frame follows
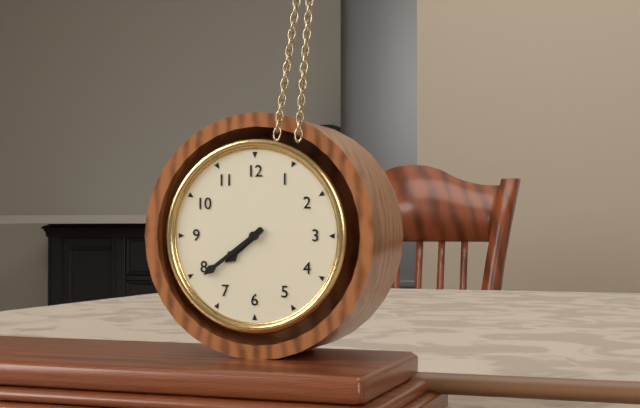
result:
7,39
